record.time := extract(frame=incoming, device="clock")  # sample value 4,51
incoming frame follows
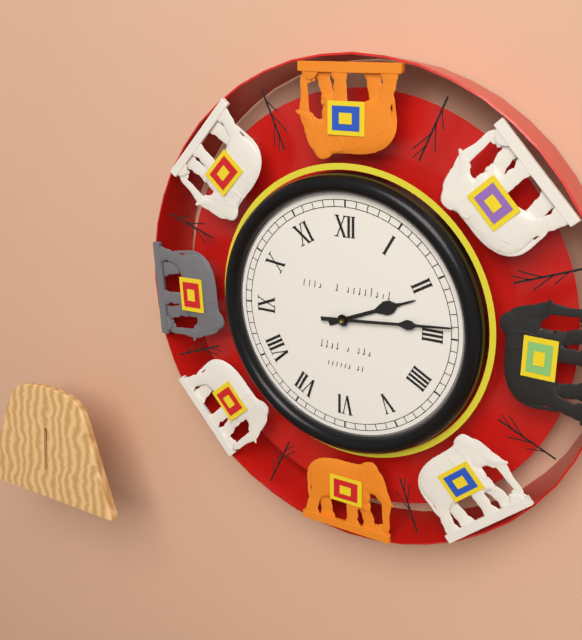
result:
2,14
